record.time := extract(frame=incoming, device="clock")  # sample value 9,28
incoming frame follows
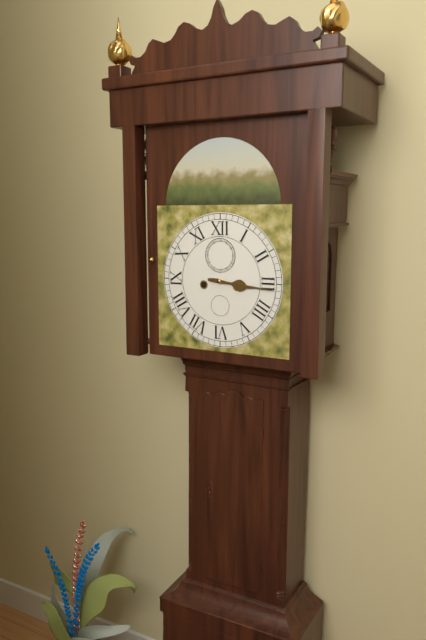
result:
3,16
